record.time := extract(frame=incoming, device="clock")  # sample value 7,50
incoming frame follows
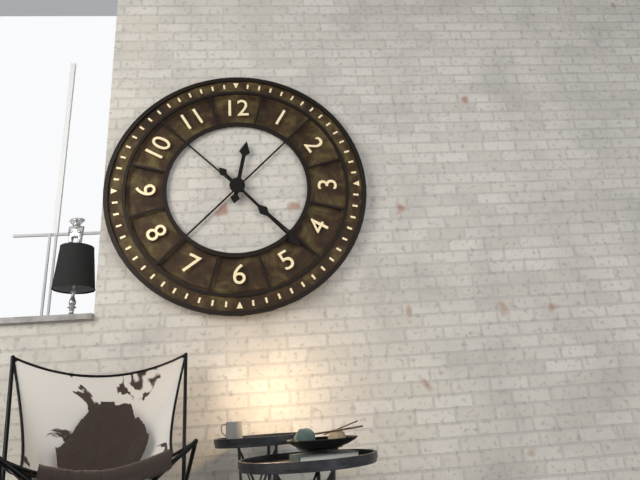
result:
12,23
